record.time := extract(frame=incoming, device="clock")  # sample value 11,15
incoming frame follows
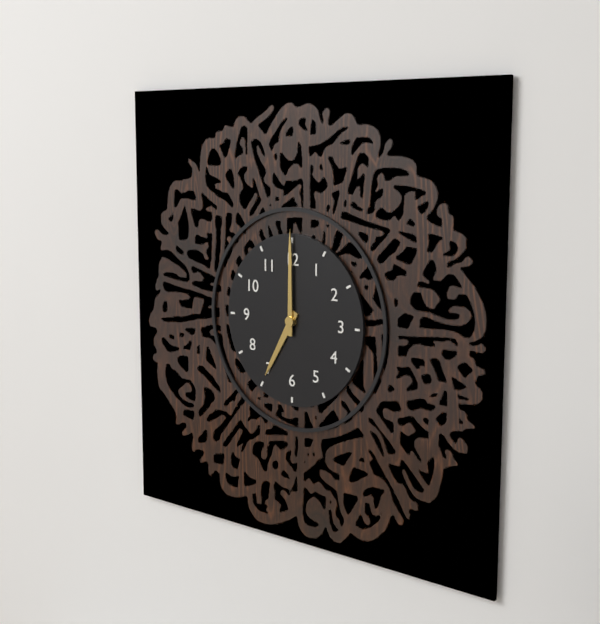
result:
7,00
